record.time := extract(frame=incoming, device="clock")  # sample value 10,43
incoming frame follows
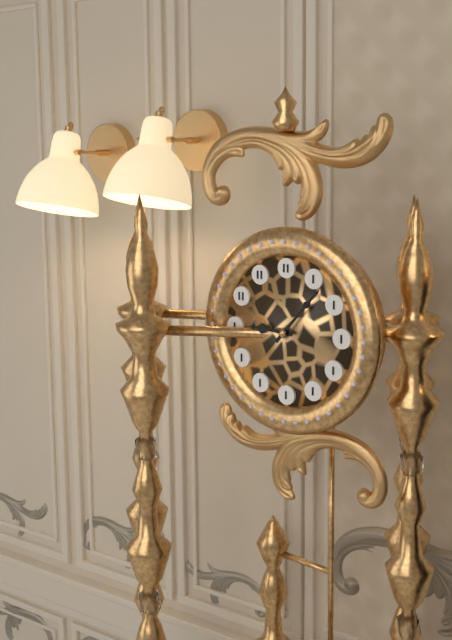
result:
9,07
